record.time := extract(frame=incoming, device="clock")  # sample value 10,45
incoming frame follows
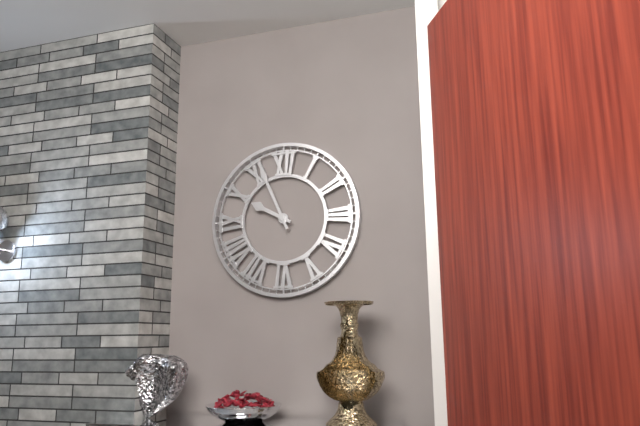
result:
9,56
